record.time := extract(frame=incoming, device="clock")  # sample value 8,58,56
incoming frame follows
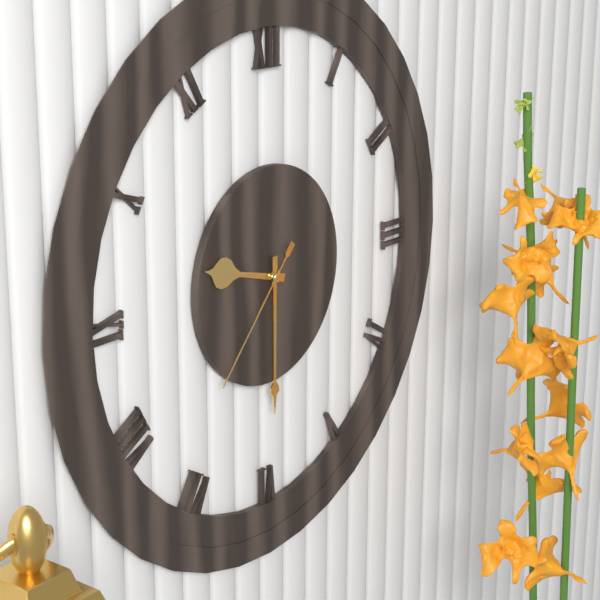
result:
9,30,37
